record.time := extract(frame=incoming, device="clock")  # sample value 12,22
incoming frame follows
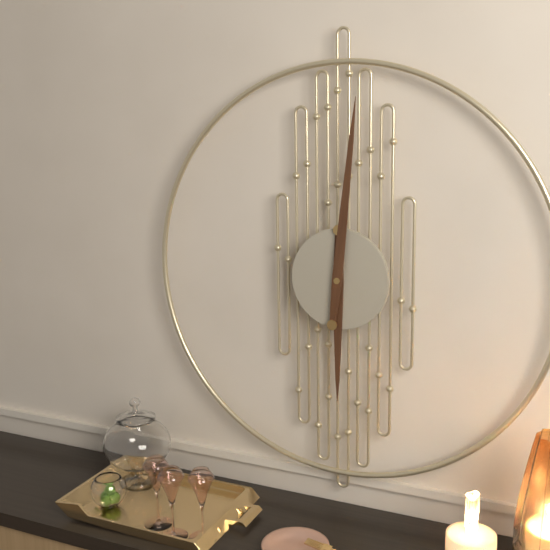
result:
6,01
